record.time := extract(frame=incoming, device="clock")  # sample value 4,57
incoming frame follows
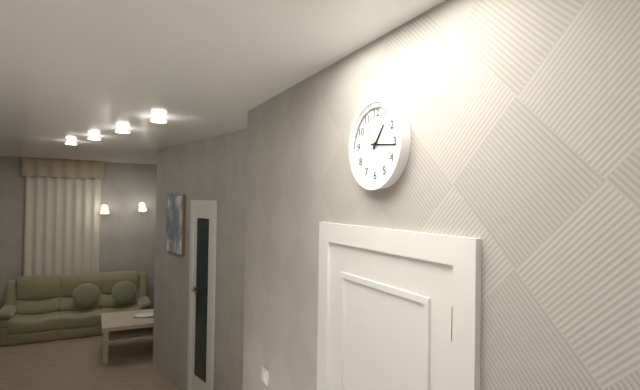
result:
1,16
